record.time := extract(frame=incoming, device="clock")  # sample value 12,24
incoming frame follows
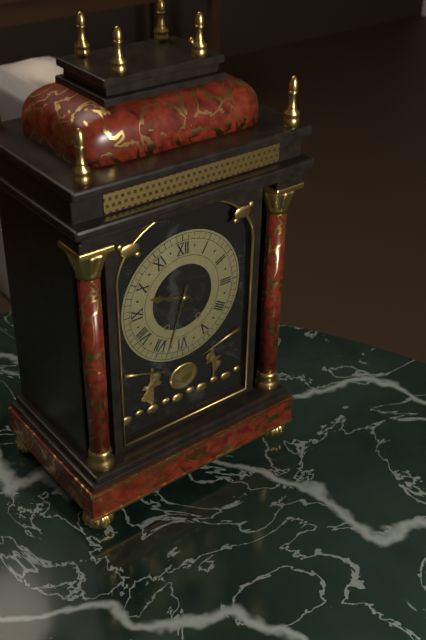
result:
9,33
